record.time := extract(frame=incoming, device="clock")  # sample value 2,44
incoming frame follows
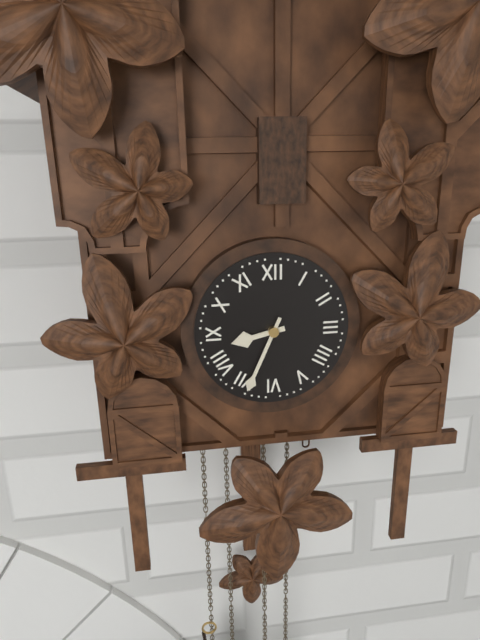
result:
8,34
